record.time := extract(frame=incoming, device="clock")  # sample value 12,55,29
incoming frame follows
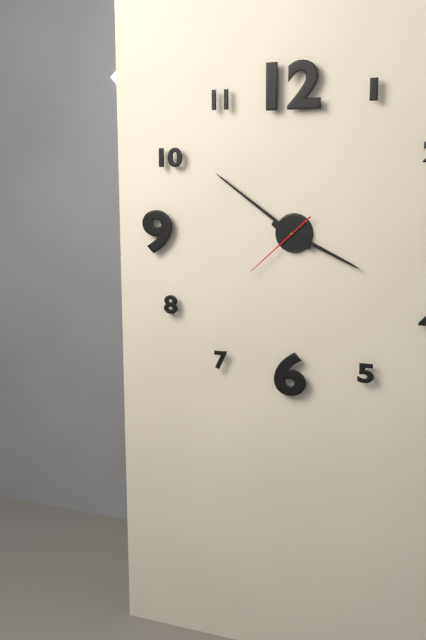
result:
3,51,38
